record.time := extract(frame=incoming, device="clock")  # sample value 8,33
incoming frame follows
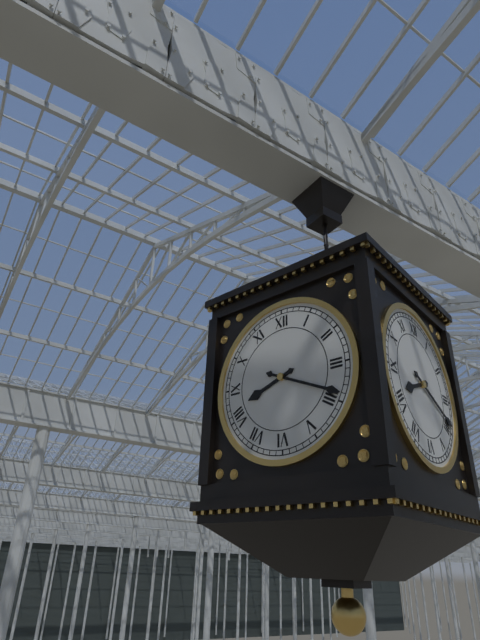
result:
8,19
